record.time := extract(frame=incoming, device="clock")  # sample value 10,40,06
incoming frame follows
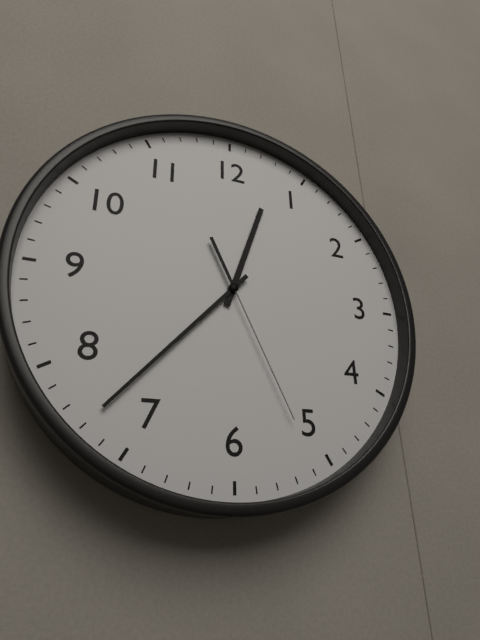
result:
12,37,26
